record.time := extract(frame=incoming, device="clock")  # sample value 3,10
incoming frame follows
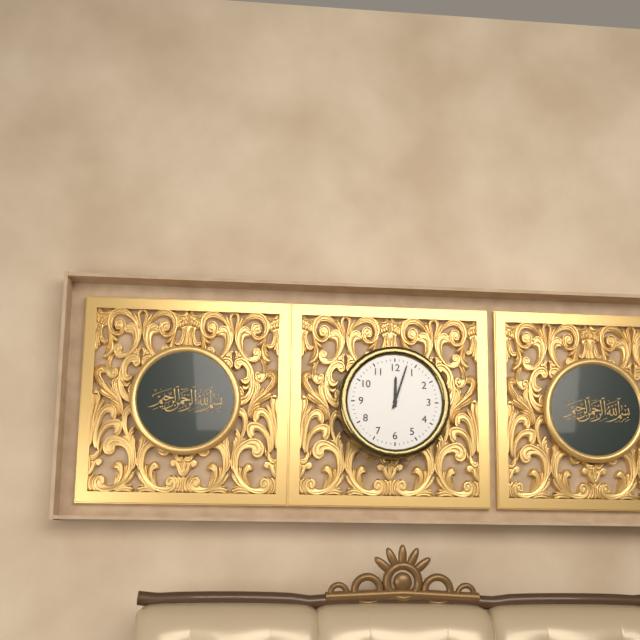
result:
12,03
